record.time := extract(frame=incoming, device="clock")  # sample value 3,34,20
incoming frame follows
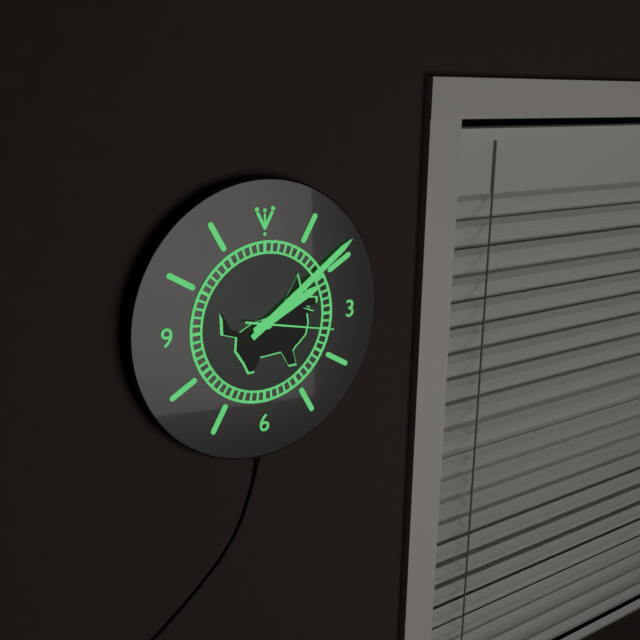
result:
2,09,17
